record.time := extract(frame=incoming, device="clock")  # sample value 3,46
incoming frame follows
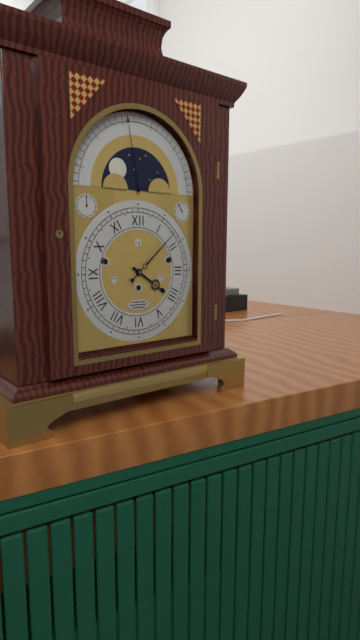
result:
4,08
